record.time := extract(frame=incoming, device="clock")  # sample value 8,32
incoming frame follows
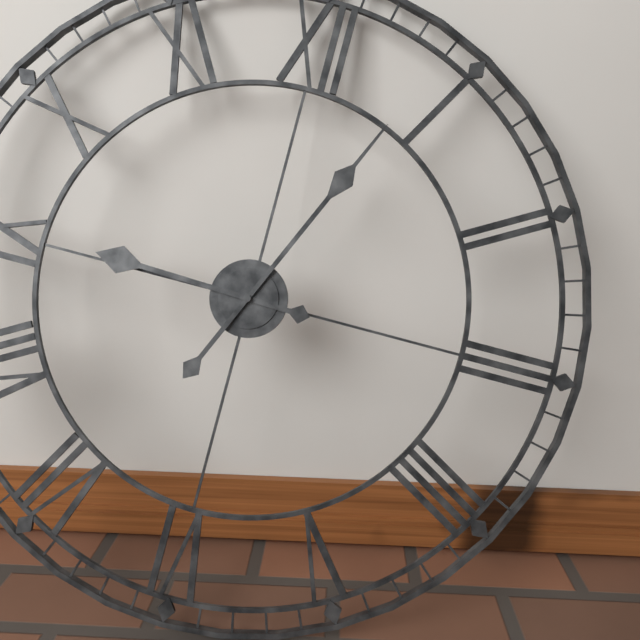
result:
9,04
